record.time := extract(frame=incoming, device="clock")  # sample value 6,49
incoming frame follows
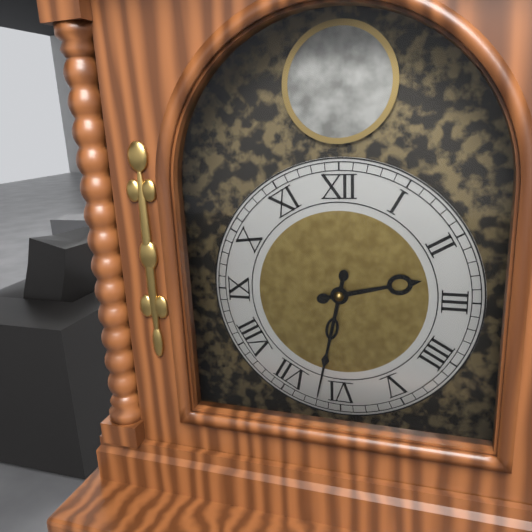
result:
2,32
